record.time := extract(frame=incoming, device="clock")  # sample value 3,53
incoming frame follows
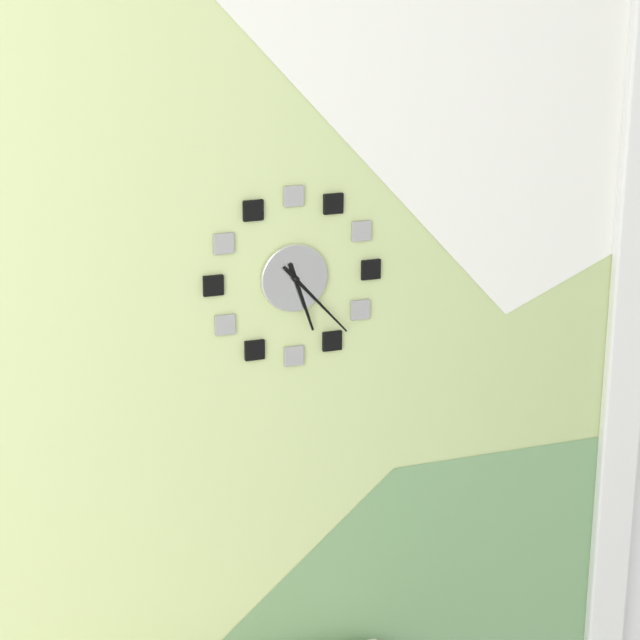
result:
5,23
